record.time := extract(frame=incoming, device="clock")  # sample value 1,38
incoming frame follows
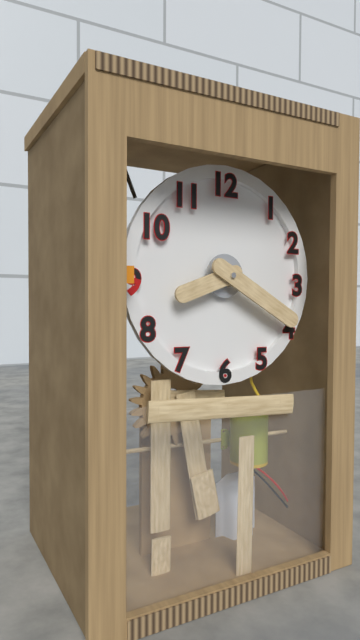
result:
8,20
